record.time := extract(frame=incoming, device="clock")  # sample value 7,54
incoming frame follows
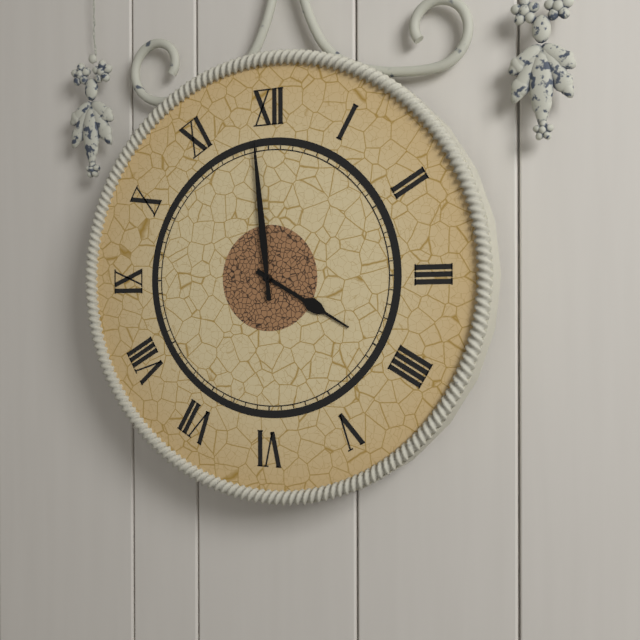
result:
3,59
